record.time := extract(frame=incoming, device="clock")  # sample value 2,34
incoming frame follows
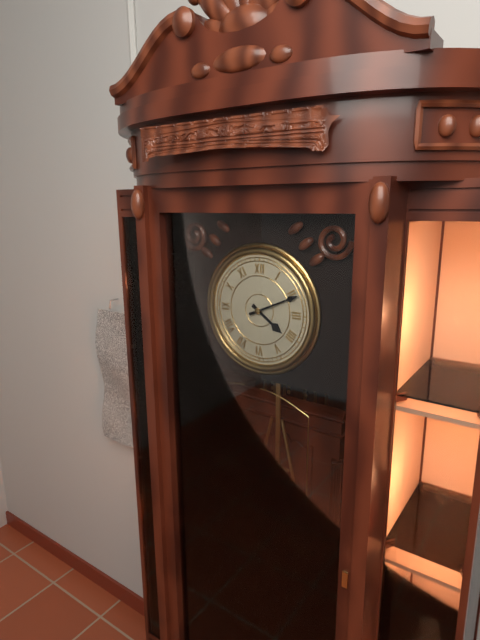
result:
4,11
